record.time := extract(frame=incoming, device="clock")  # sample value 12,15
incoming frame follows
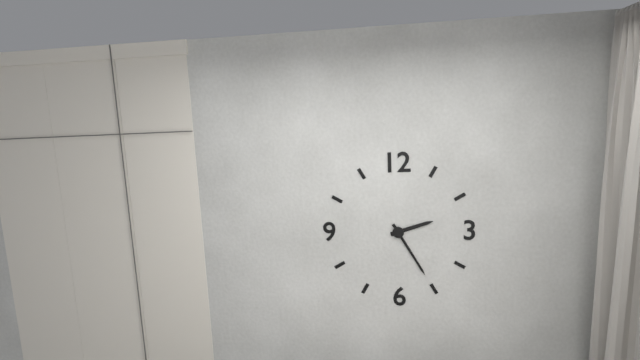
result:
2,25
